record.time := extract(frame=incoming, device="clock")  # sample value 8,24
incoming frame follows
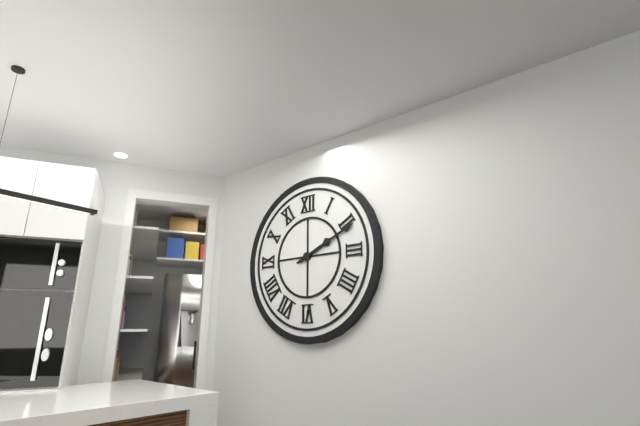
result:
2,11
